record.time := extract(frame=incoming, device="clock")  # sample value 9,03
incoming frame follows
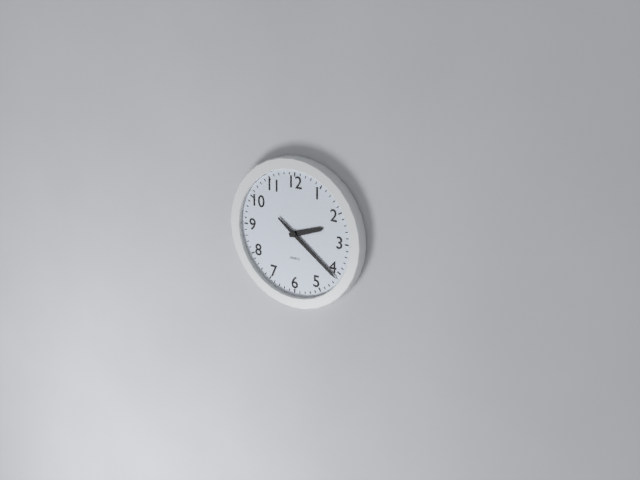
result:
2,21
